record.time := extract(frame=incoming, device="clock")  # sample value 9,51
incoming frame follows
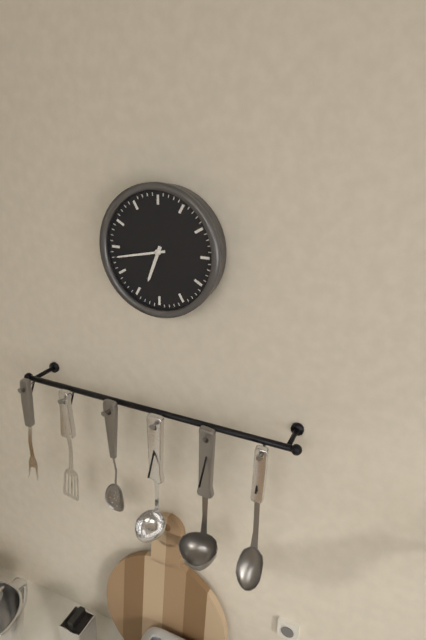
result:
6,43
